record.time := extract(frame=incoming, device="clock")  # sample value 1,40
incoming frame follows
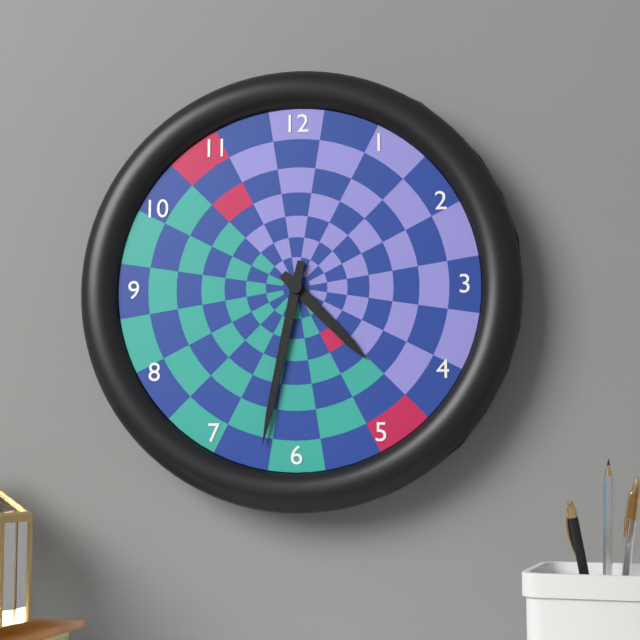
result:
4,32
